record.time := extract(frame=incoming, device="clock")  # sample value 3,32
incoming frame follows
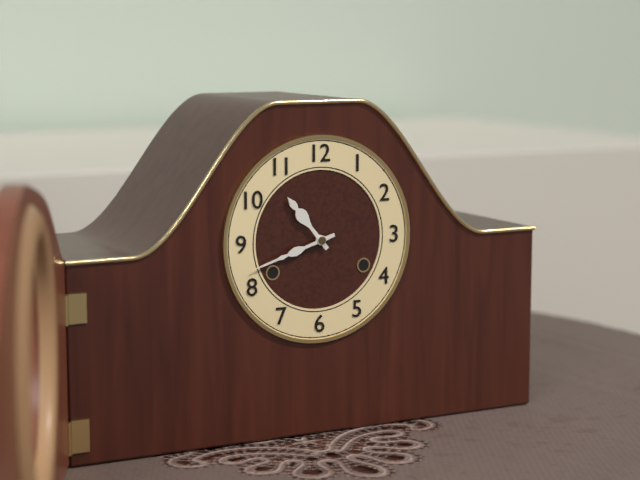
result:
10,42
